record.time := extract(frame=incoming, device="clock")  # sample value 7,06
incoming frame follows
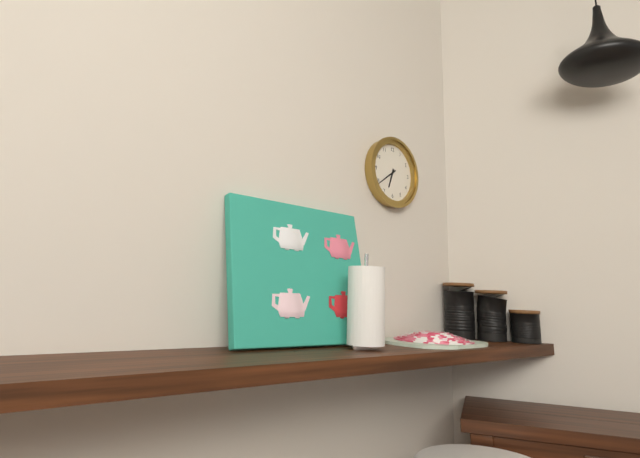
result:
6,39
